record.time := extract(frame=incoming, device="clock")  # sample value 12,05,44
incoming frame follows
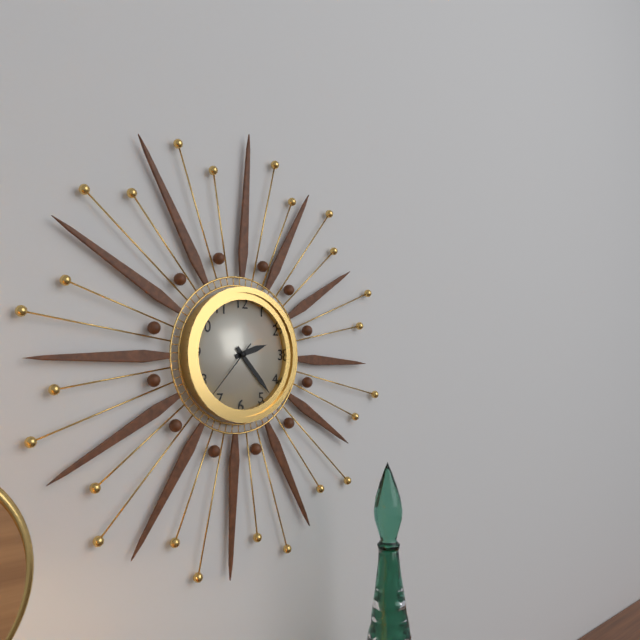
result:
2,23,37
